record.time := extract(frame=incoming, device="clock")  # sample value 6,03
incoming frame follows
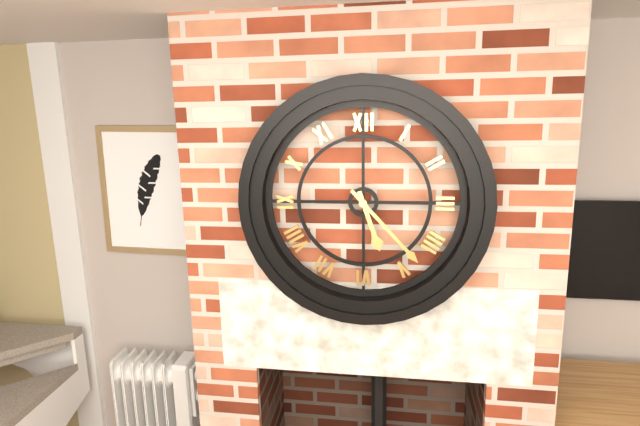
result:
5,23
